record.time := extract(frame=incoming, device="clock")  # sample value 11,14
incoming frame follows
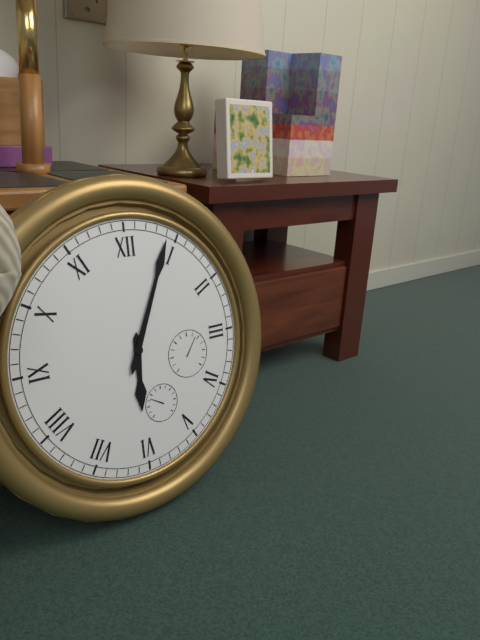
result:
6,04
